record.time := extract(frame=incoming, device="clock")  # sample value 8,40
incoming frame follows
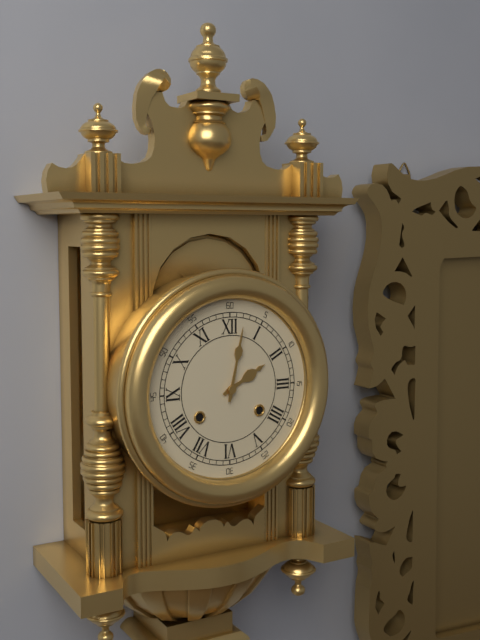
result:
2,02
